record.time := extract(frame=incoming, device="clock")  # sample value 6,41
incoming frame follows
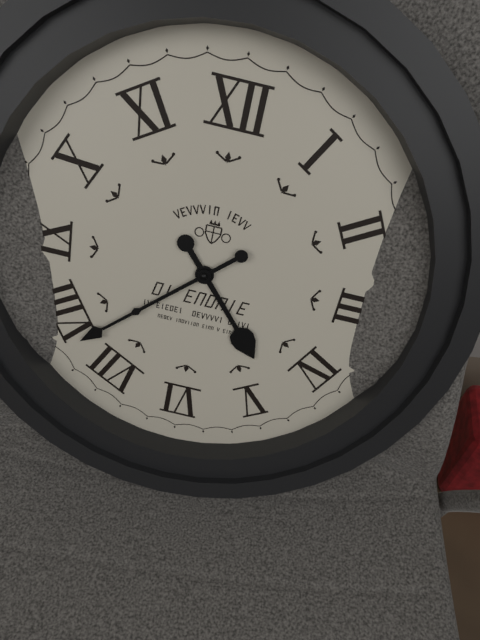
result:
4,38
